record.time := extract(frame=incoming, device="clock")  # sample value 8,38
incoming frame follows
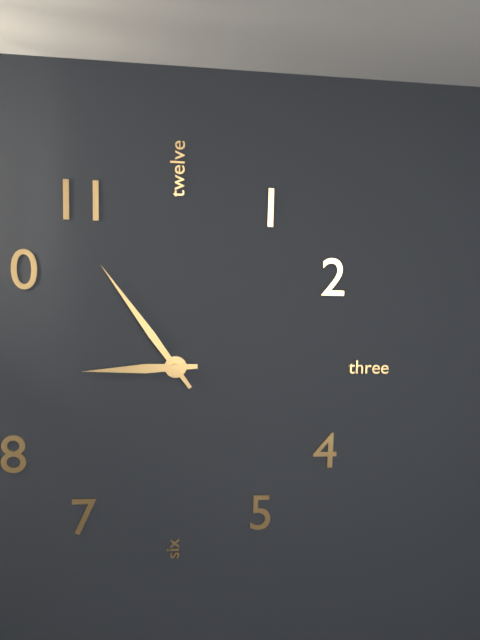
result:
8,54
